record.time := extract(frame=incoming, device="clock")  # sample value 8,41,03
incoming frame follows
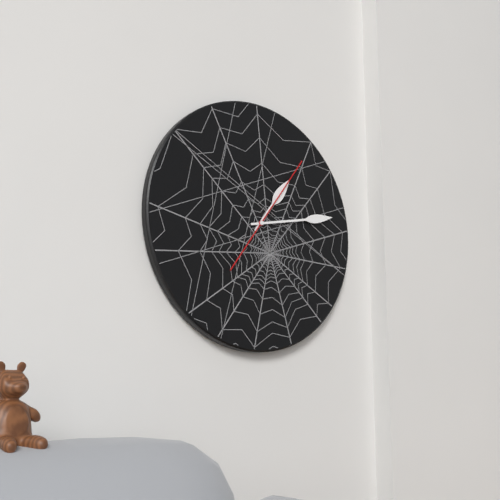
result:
1,13,06
